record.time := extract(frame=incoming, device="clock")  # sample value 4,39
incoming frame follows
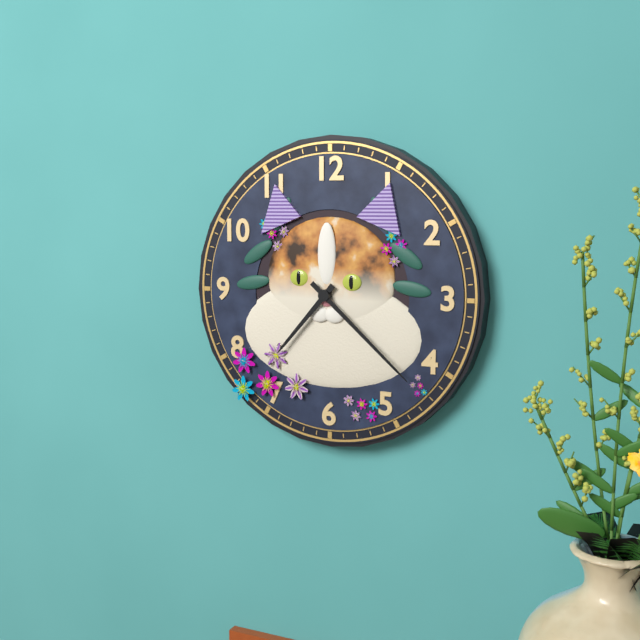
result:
7,22
